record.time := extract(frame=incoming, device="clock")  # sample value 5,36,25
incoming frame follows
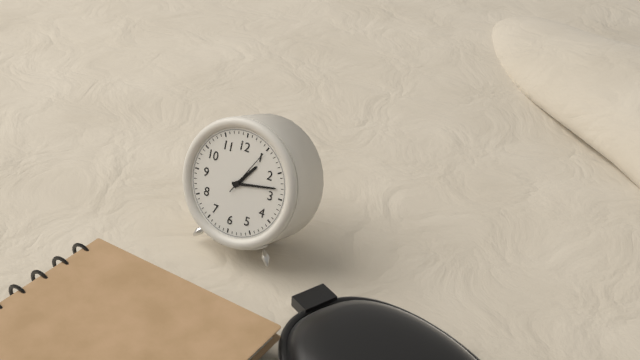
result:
1,13,05
